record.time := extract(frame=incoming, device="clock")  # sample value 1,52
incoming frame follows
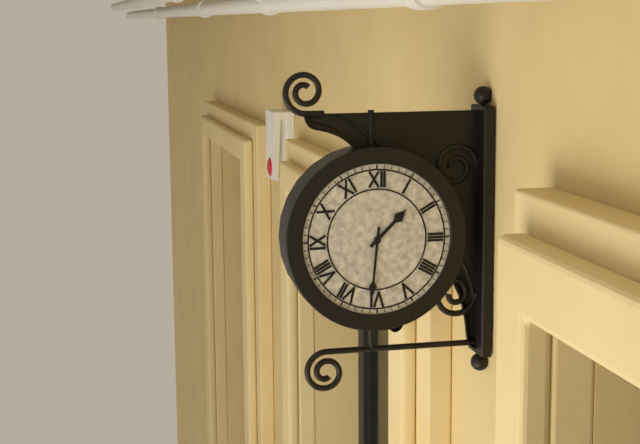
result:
1,31
